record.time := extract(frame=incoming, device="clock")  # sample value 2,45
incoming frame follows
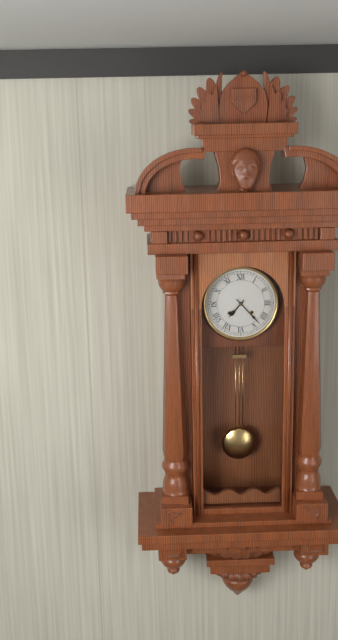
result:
7,23
